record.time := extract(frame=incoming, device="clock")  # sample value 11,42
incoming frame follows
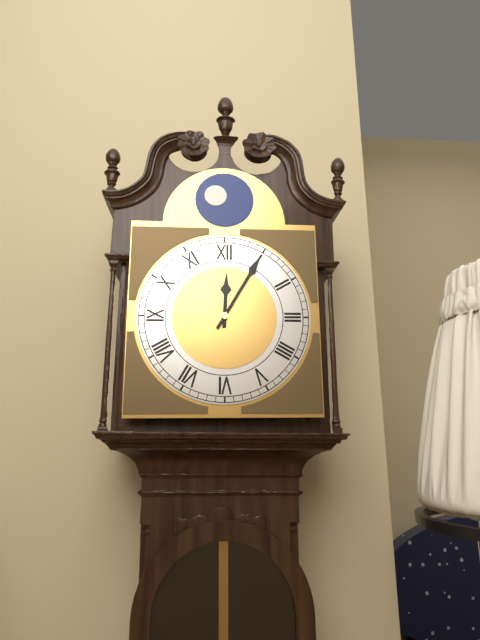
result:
12,05
